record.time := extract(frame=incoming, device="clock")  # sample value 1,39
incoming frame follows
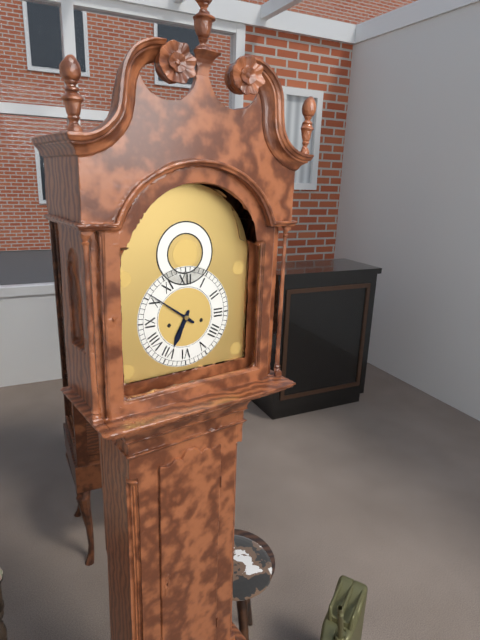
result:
6,51
